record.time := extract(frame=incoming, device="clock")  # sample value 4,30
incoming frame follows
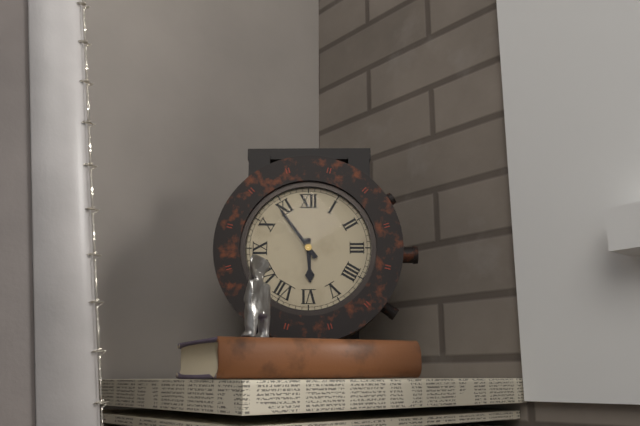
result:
5,54
